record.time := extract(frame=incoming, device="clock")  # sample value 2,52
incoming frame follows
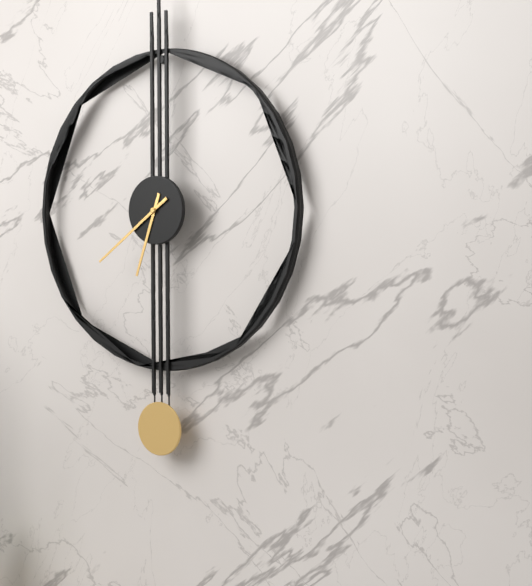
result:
6,39
